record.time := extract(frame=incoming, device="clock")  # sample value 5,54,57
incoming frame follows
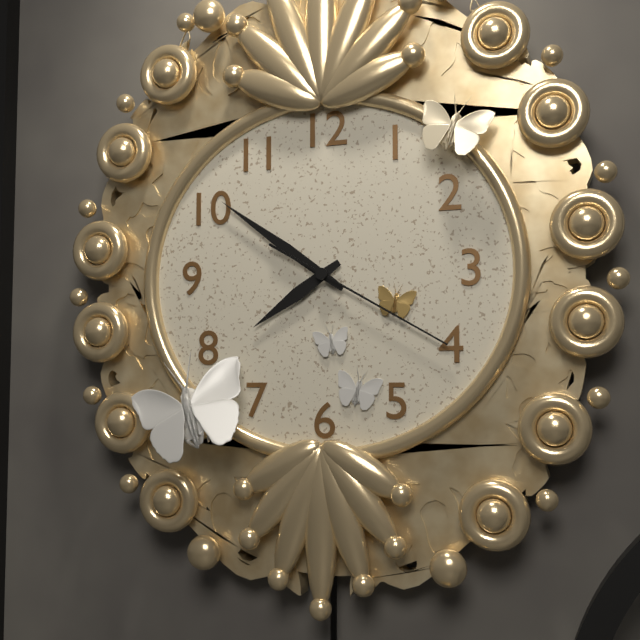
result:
7,51,20
